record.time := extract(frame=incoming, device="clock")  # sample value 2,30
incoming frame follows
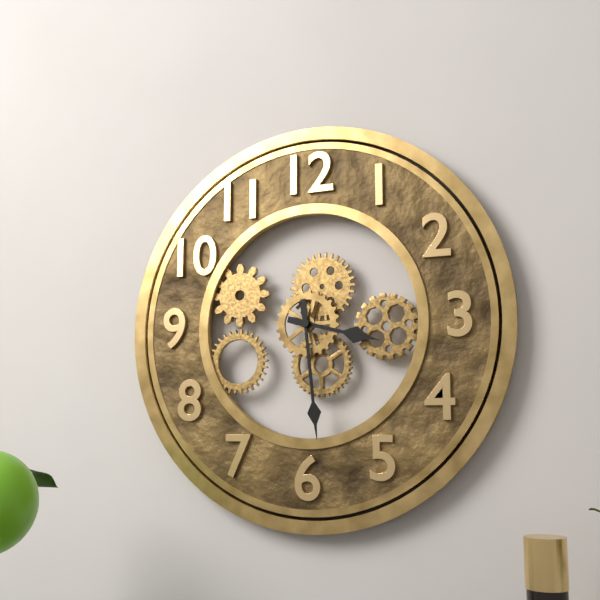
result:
3,29
